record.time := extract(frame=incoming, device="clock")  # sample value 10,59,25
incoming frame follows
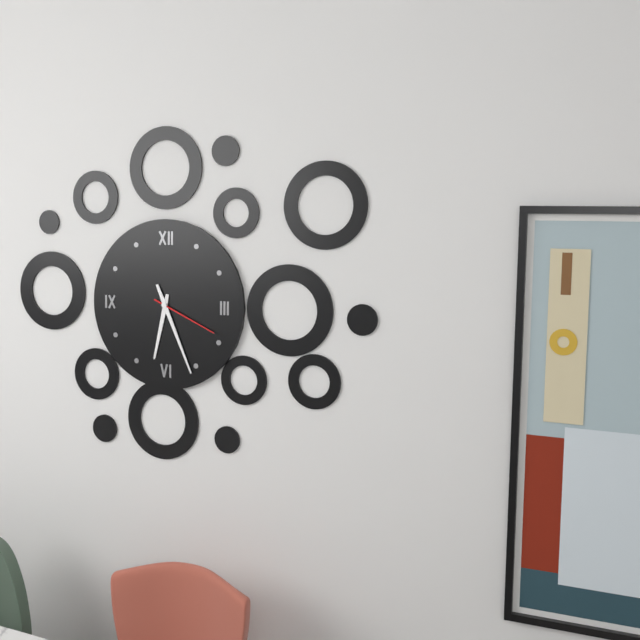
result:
6,26,19
